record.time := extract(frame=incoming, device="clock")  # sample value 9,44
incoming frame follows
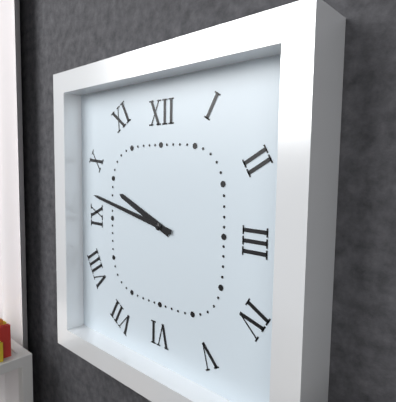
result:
9,47
